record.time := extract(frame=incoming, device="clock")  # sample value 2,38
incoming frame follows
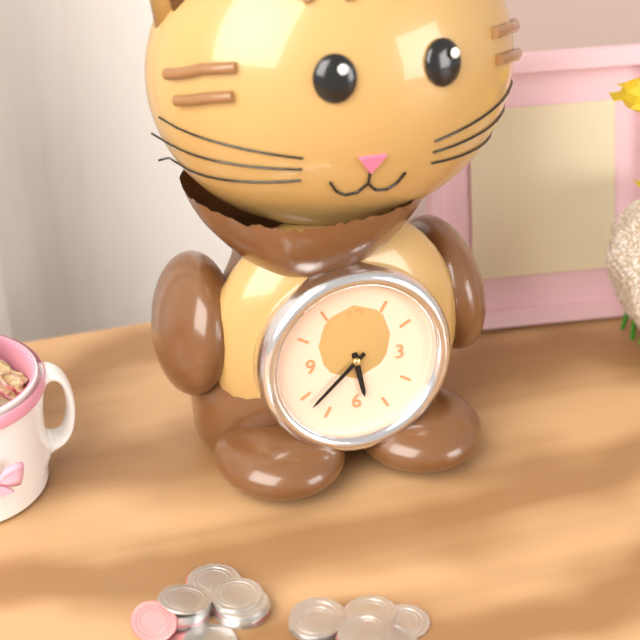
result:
5,38
